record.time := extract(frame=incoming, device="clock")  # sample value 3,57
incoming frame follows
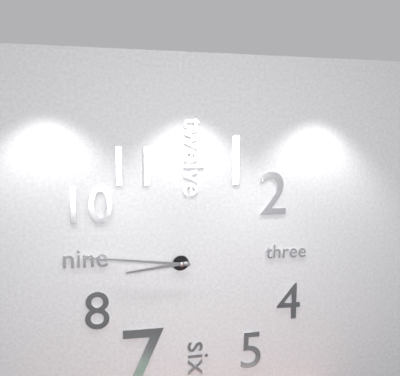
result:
8,46
